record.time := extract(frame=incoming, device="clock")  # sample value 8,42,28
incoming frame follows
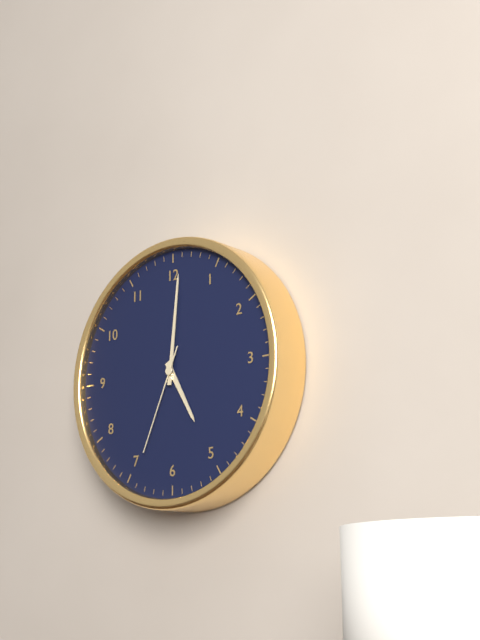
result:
5,01,34
